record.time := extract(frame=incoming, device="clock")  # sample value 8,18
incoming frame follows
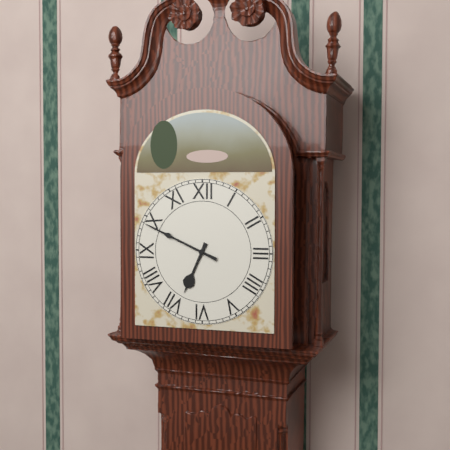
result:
6,49
